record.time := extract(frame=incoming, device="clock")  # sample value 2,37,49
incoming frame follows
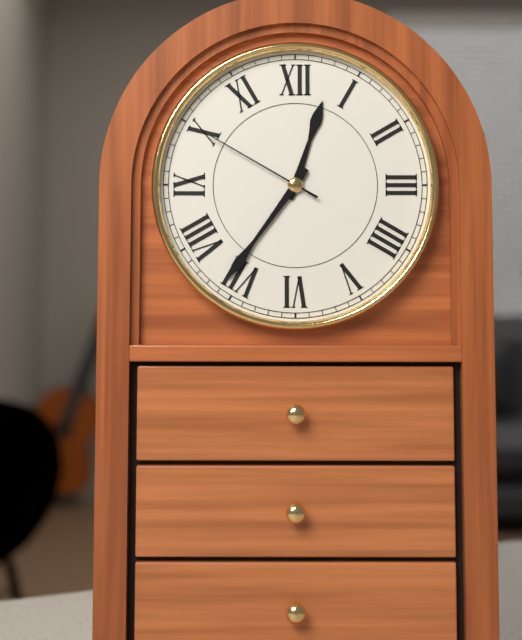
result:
12,36,50
